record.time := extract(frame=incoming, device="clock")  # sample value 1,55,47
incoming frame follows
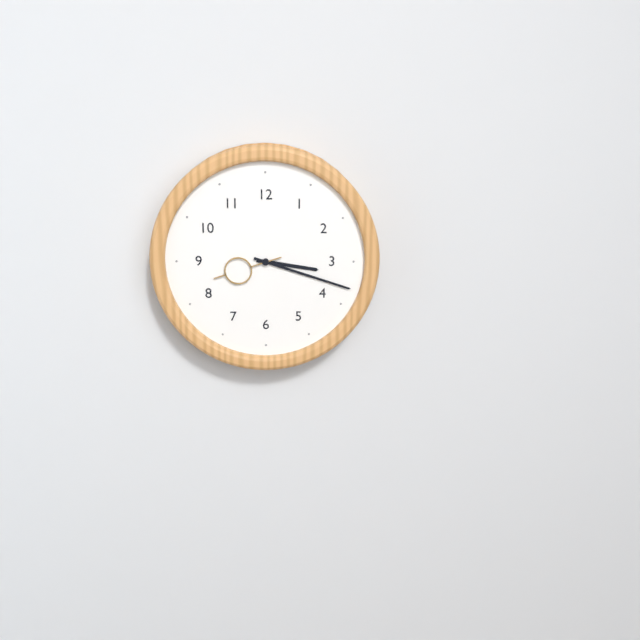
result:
3,18,42
